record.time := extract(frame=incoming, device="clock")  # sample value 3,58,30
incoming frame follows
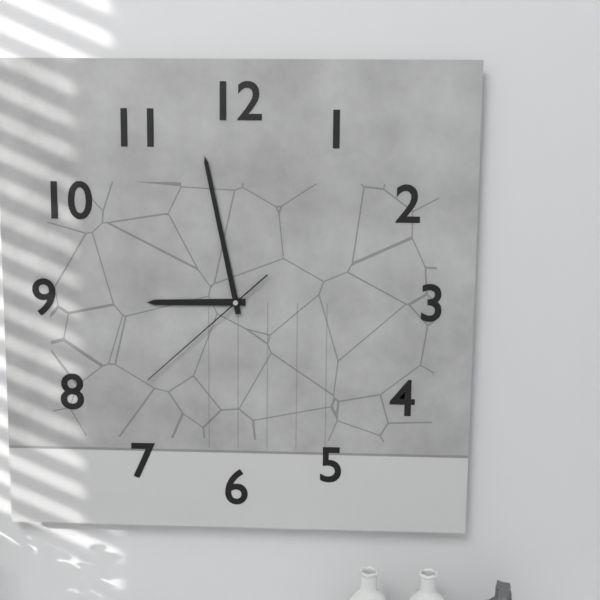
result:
8,58,38
